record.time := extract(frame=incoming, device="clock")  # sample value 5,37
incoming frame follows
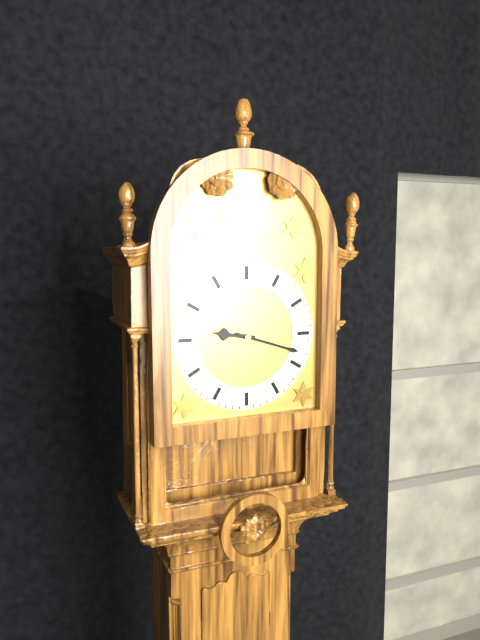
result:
9,18
